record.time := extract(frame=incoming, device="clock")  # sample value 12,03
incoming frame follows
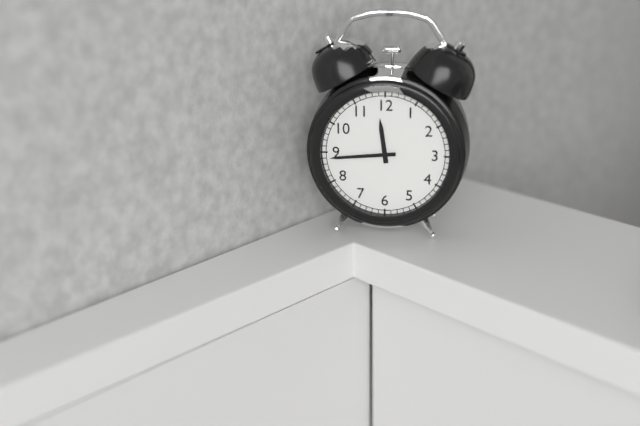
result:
11,44
